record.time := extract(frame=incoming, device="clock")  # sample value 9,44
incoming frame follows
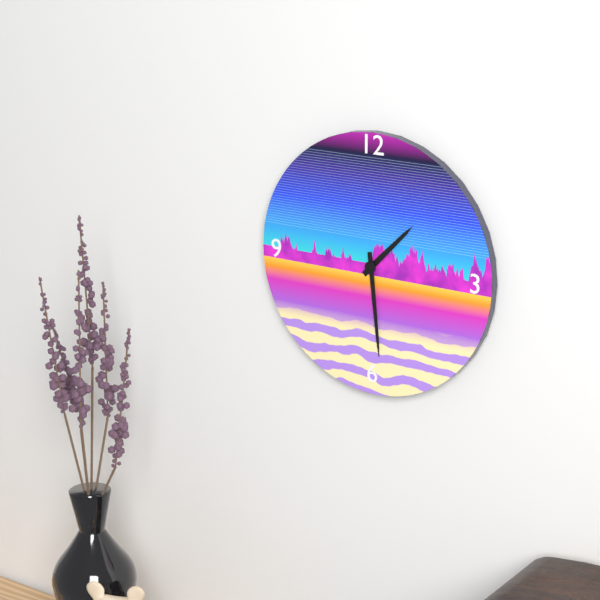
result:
1,29
